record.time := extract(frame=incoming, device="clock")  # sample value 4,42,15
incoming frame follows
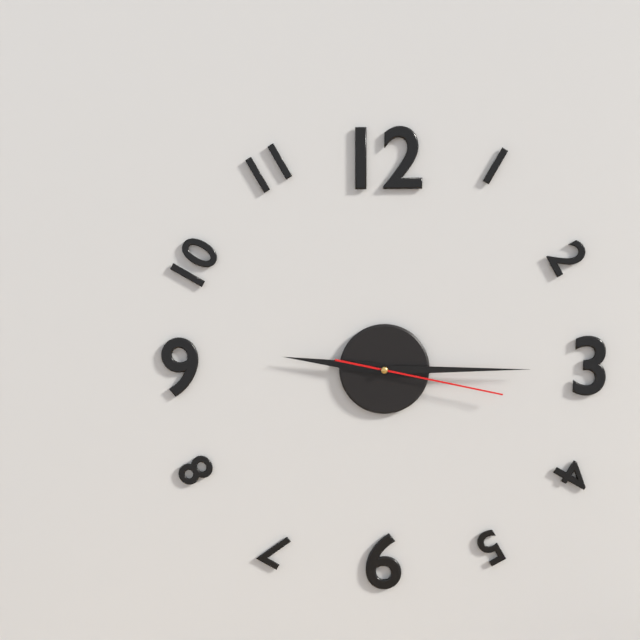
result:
9,15,17
